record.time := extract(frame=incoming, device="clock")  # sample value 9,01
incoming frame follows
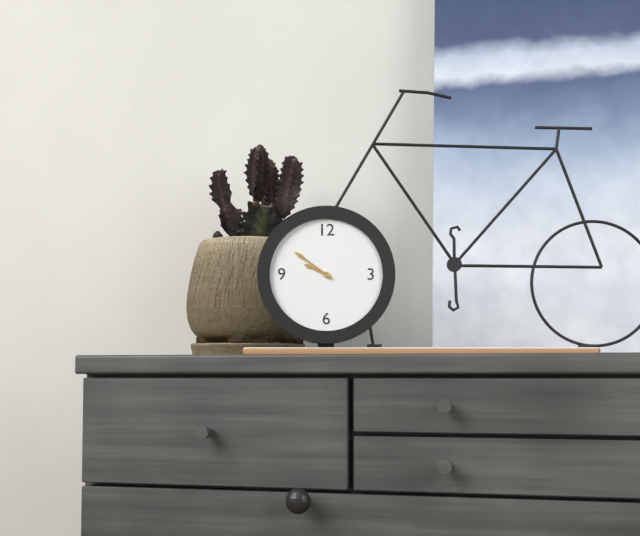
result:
9,51
